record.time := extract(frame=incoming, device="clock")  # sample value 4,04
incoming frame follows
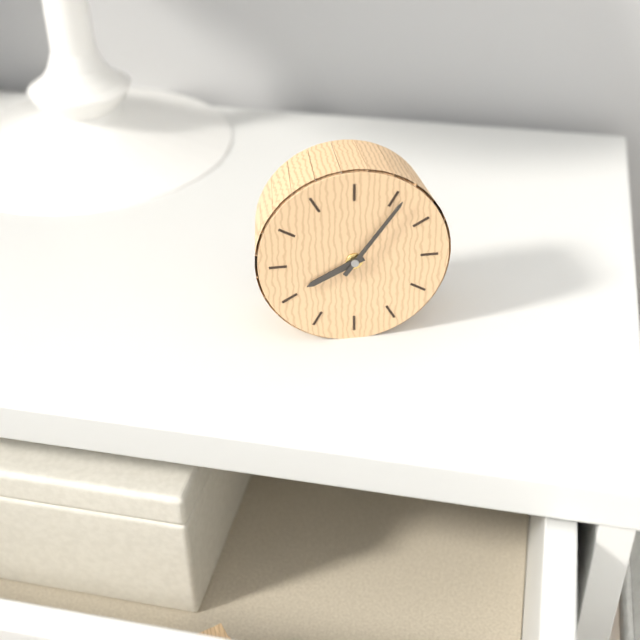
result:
8,06
